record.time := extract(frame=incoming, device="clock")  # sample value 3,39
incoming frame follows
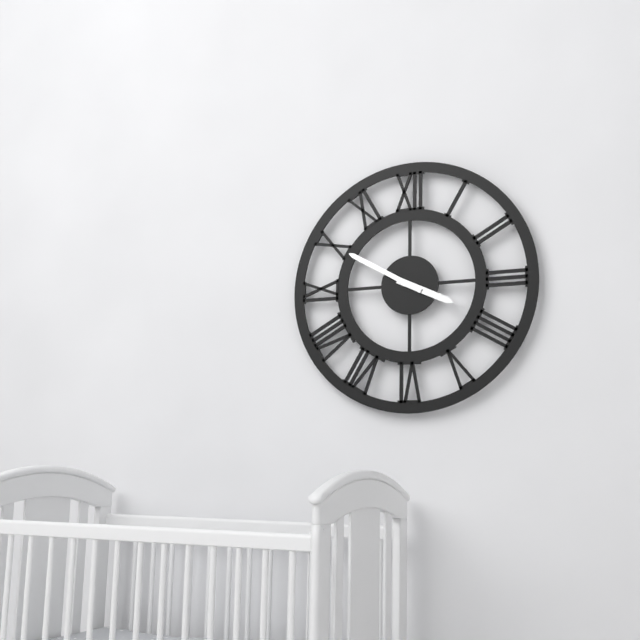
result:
3,50
